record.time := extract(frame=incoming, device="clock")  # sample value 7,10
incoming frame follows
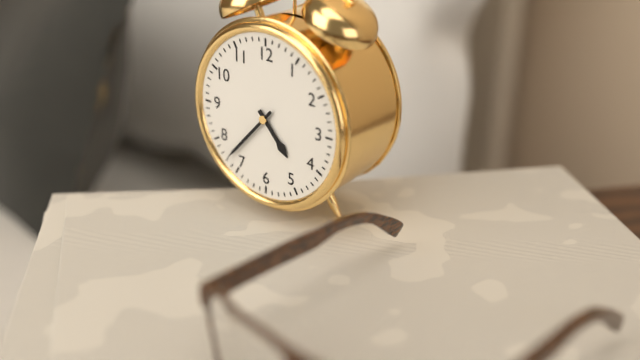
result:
4,37
